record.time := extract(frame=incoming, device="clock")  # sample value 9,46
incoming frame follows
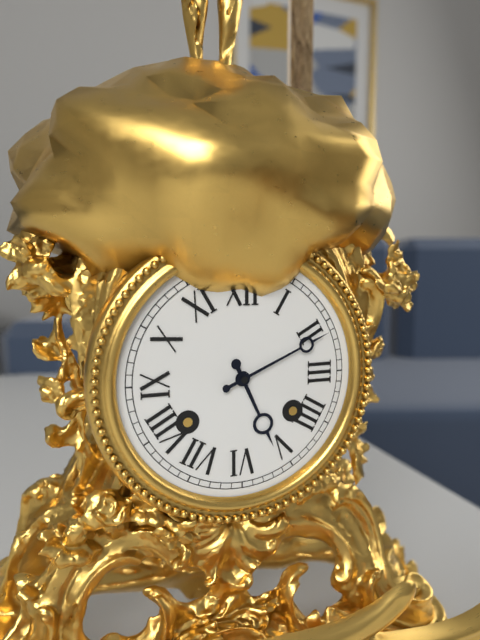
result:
5,11
